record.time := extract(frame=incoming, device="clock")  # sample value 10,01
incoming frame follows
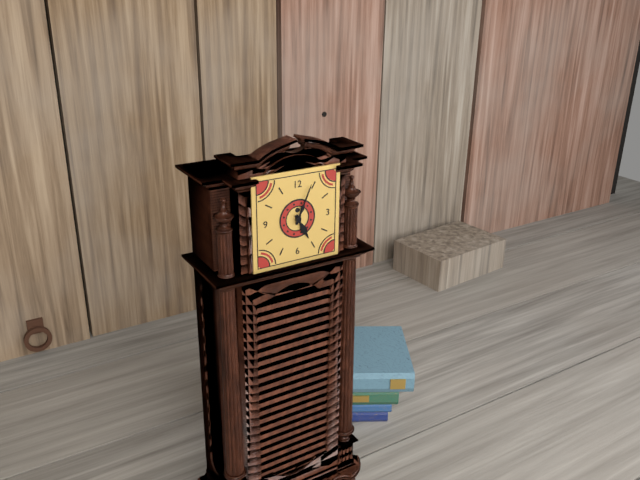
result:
5,04
